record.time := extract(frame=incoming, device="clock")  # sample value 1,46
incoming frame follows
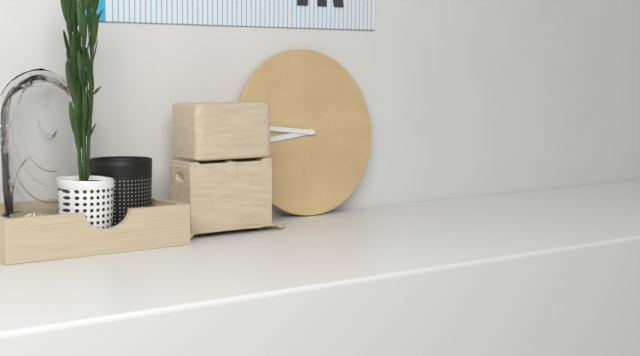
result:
8,46
